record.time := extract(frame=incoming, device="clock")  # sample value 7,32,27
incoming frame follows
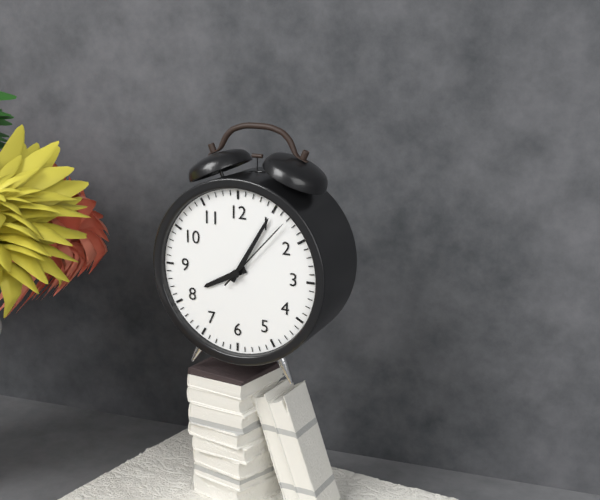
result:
8,05,07
